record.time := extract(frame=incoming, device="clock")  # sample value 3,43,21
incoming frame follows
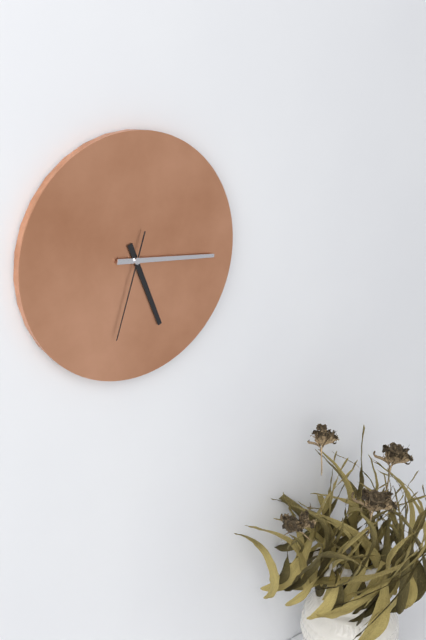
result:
5,16,33
